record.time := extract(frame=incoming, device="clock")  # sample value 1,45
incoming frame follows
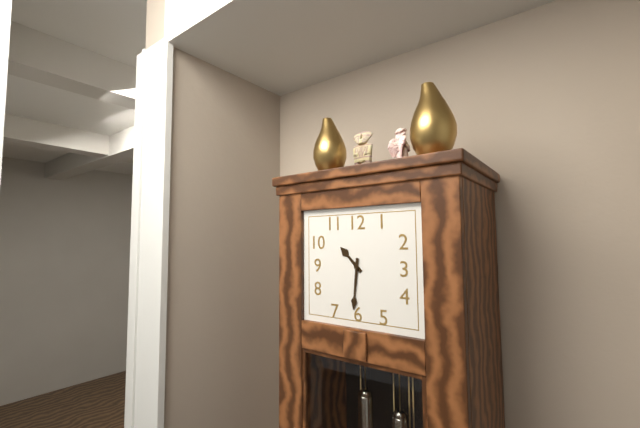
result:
10,31
